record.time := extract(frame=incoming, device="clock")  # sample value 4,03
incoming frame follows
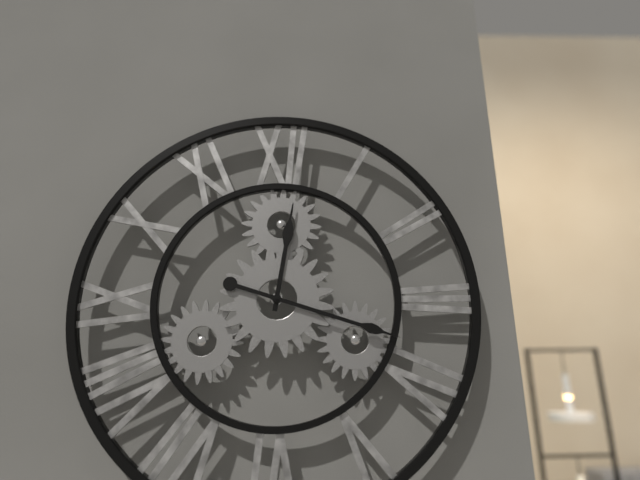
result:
12,18
